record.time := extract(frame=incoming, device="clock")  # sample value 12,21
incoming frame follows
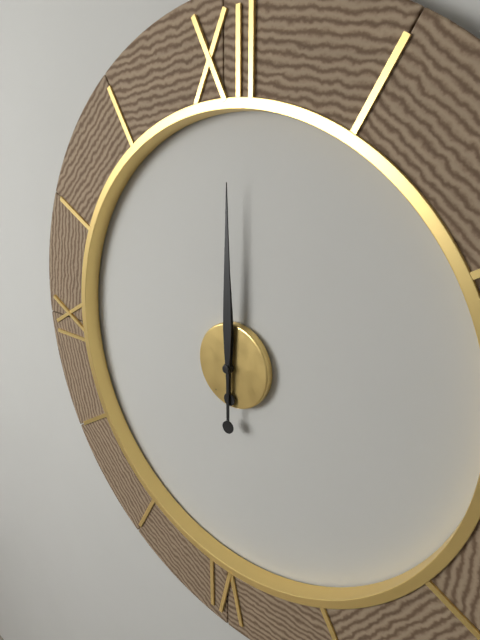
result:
12,00
